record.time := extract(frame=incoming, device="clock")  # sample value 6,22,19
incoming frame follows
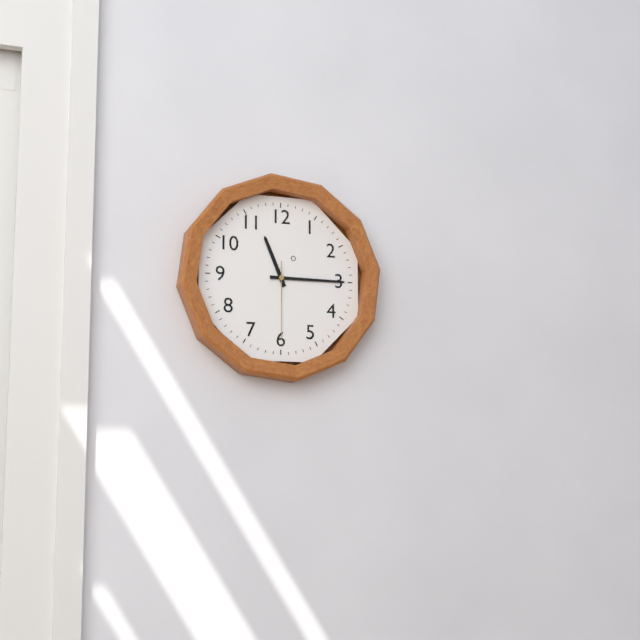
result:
11,15,30
